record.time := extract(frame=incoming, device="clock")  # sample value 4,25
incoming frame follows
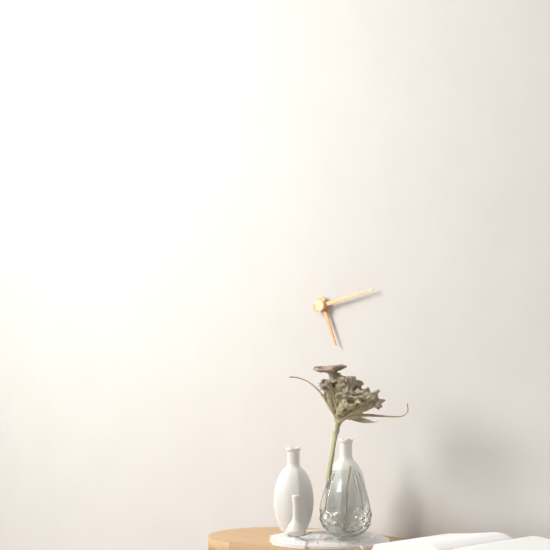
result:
5,13
